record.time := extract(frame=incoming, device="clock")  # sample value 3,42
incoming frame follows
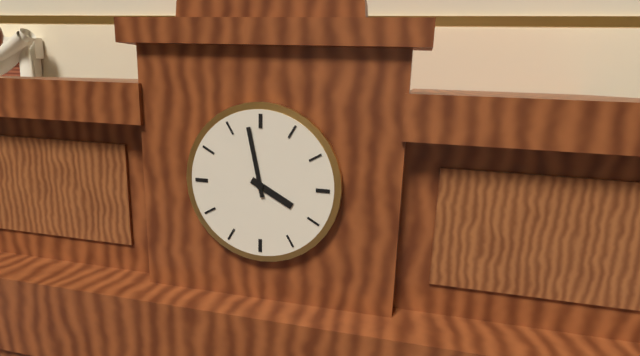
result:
3,58
